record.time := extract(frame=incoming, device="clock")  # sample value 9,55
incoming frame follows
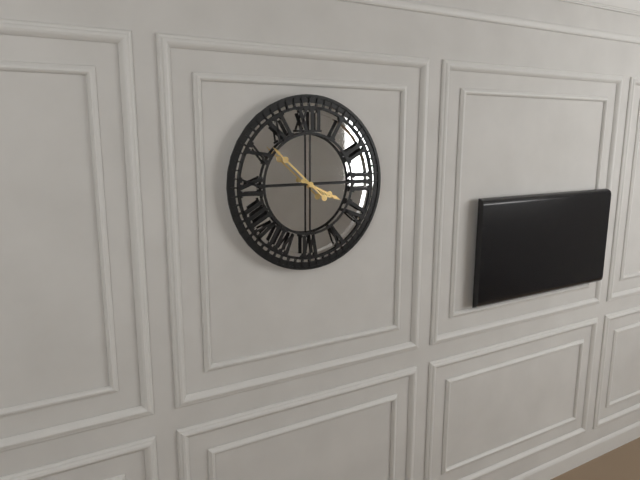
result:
3,52
